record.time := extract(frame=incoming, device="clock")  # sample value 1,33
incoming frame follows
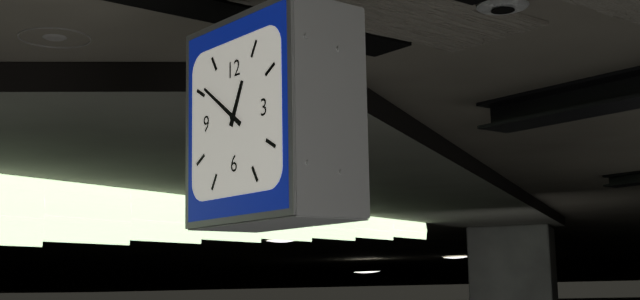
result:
12,51
